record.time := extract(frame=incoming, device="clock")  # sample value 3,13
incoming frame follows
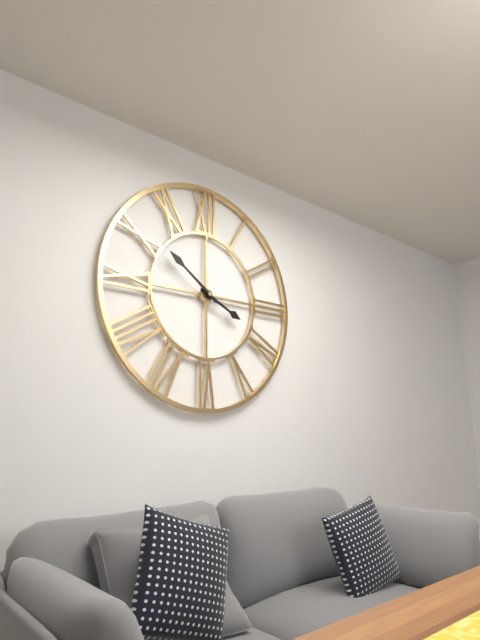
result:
3,51
